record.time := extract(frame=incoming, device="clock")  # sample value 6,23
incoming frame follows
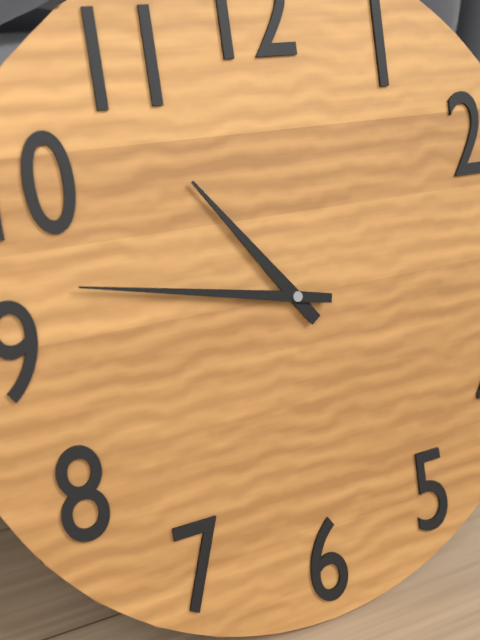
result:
10,47
